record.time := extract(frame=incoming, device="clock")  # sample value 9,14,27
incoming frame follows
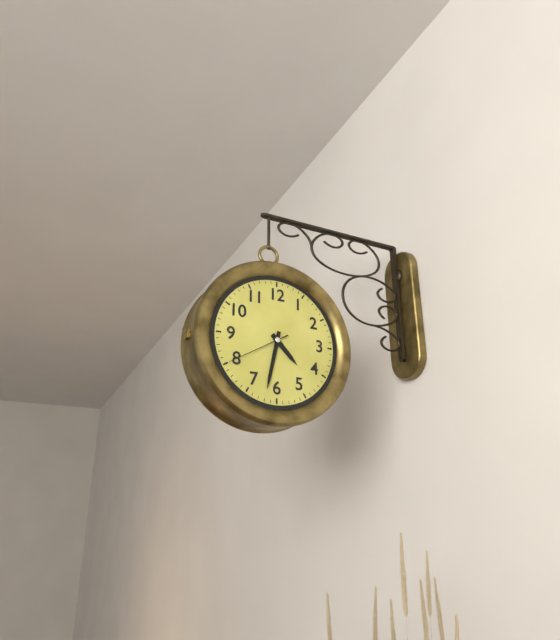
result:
4,32,40
